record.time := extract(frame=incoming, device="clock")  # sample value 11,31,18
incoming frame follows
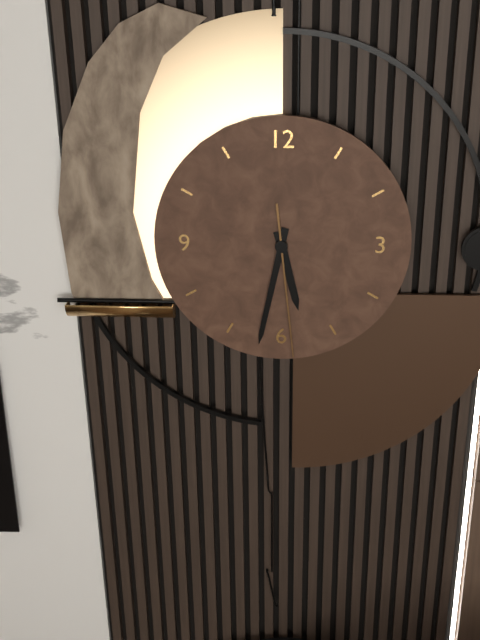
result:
5,32,29
